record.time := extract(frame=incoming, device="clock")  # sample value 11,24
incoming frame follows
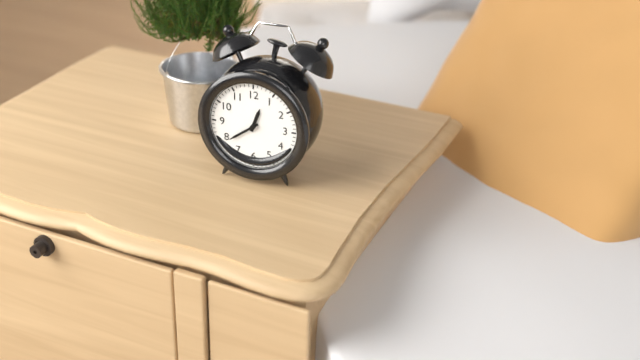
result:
12,39
